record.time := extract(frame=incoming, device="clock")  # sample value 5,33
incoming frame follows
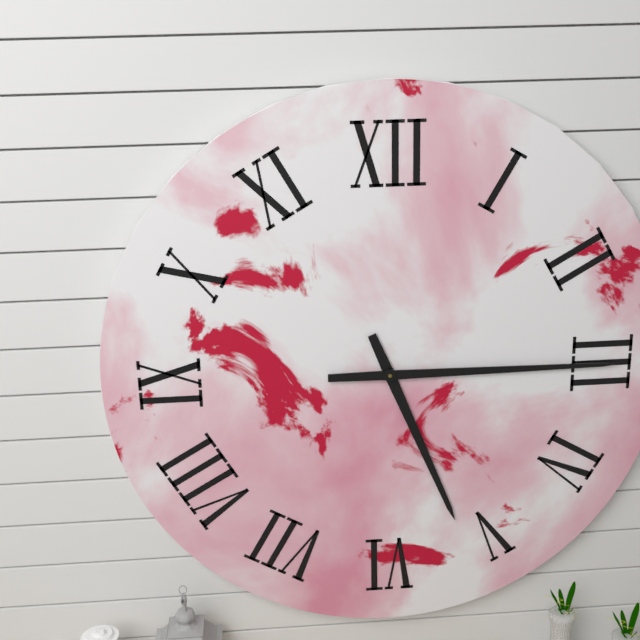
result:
5,15
